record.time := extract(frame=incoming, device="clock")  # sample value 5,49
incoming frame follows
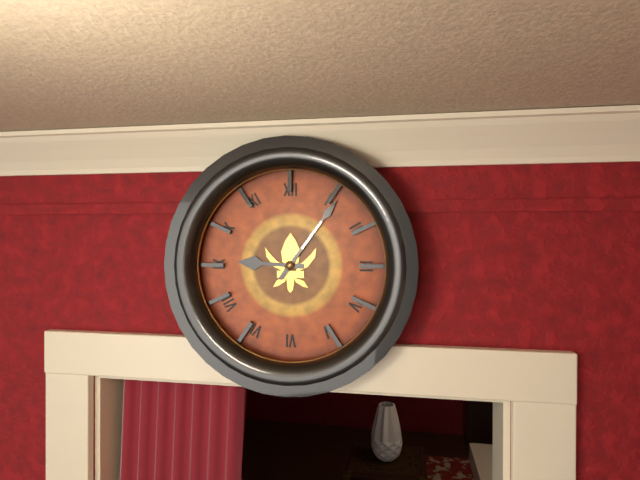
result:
9,06
